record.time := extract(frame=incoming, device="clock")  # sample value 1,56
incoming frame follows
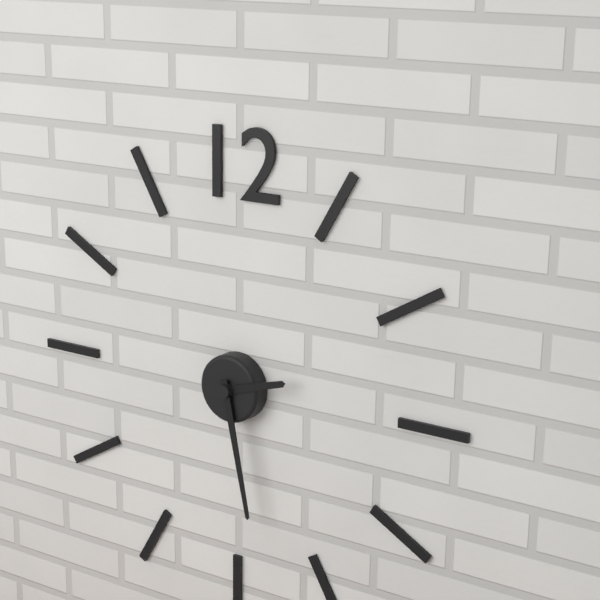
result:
2,28
